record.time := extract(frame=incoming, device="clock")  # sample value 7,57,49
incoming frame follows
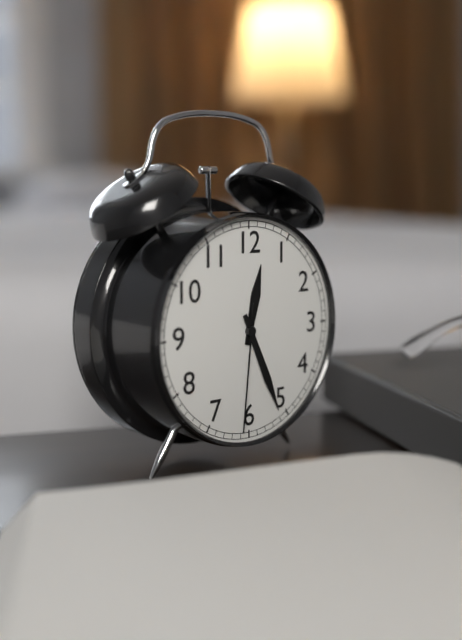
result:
12,26,31
